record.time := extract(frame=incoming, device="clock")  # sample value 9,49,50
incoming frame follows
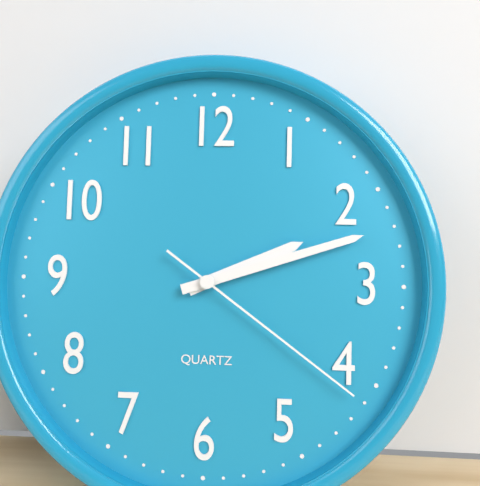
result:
2,12,21
